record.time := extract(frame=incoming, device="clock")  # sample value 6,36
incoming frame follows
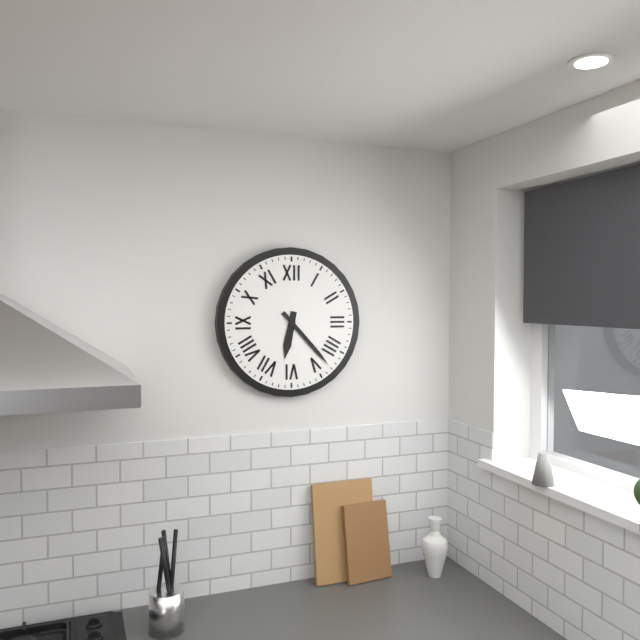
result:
6,23
